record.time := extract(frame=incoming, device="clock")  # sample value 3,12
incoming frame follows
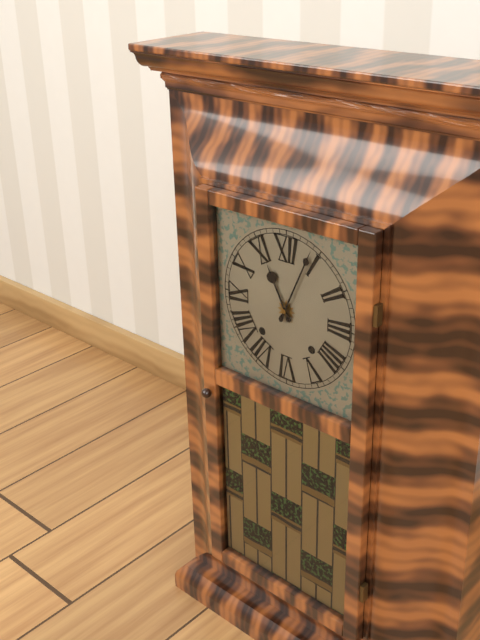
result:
11,04
